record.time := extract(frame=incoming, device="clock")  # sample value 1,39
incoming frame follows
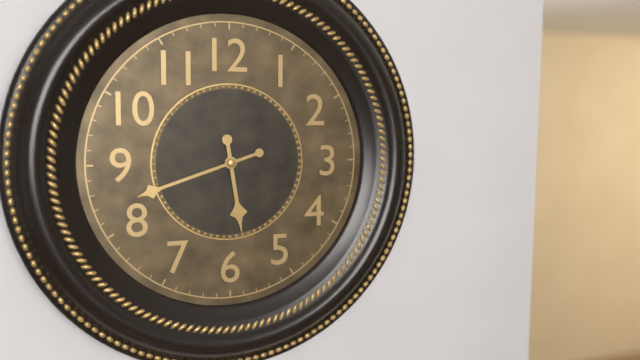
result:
5,42
